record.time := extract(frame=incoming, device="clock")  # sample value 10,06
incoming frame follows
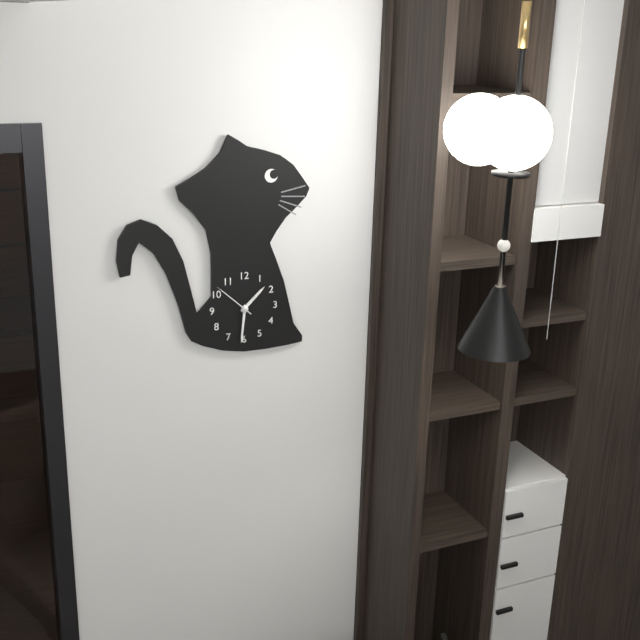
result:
1,31
